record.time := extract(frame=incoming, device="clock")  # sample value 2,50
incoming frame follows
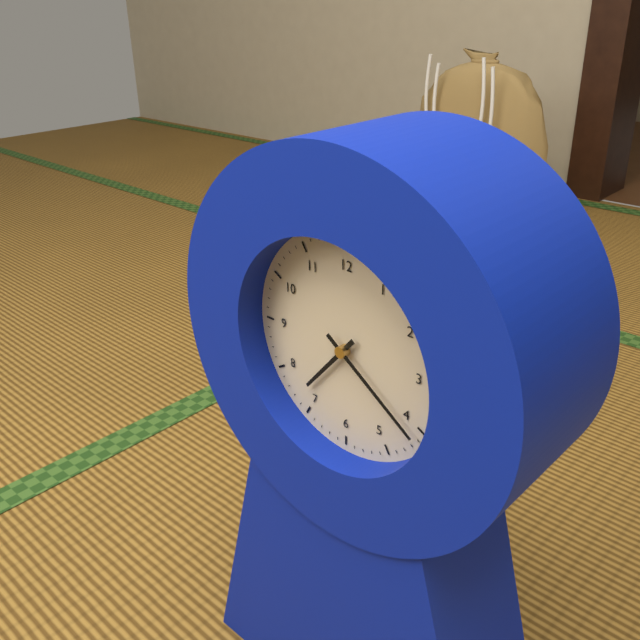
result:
7,21
